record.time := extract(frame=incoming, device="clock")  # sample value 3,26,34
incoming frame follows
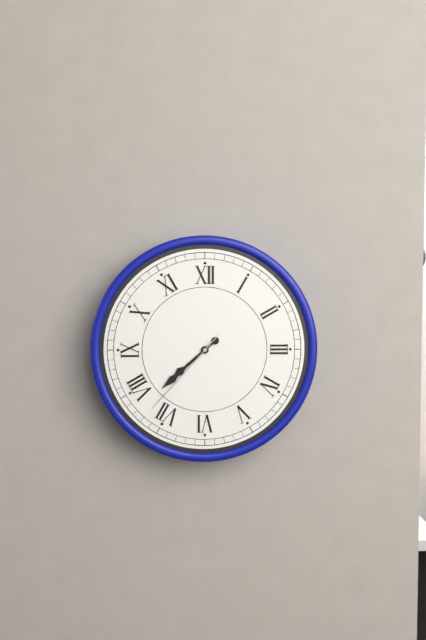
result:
7,38,37
